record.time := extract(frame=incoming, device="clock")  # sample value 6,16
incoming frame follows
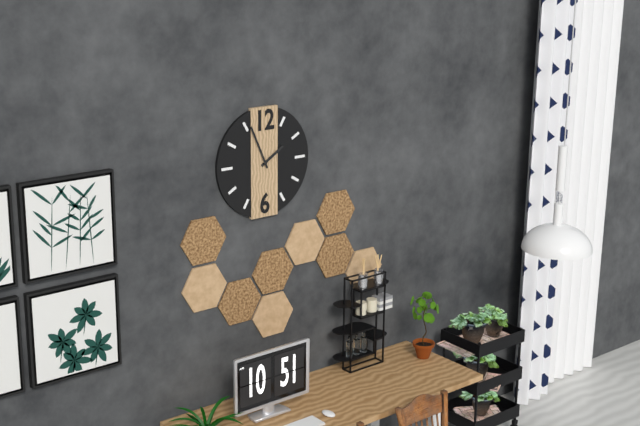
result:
1,56
